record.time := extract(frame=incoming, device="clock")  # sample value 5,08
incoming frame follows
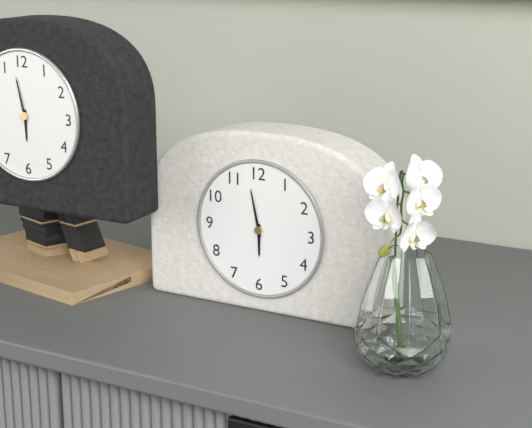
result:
5,58
